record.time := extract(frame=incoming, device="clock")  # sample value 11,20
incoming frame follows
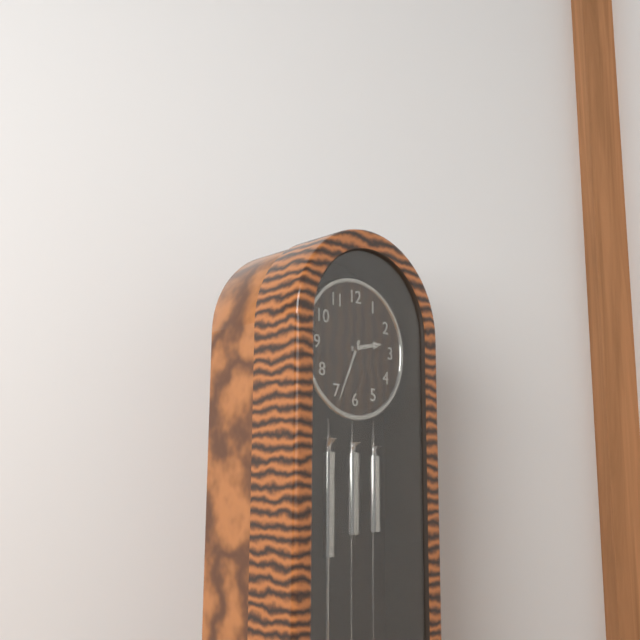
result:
2,34
